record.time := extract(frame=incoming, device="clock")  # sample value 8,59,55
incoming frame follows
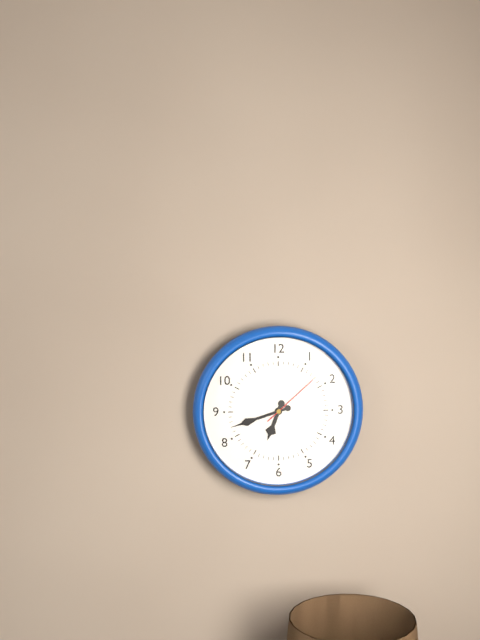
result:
6,42,08
